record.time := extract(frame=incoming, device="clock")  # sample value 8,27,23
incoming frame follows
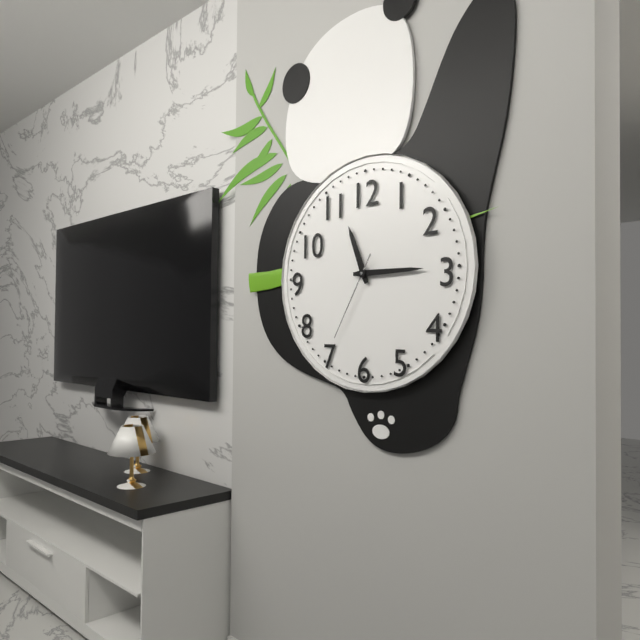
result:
11,15,35
